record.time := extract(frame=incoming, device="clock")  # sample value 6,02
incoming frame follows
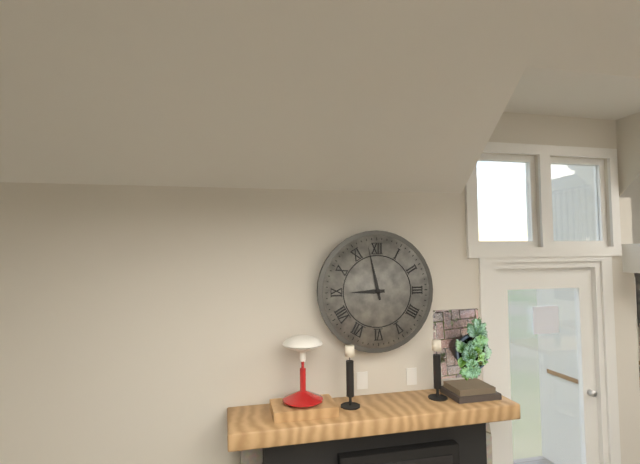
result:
8,58
